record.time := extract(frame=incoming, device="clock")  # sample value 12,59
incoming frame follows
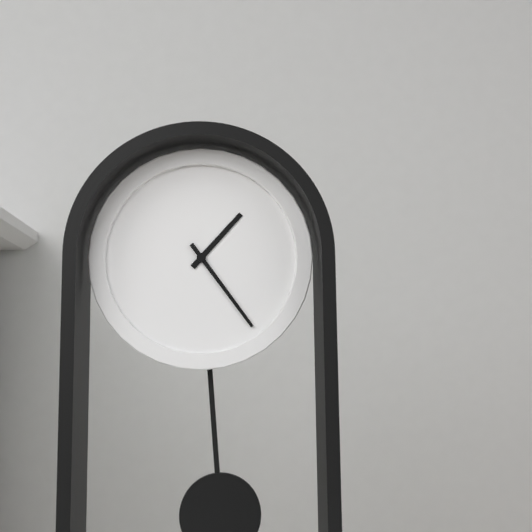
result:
1,24
